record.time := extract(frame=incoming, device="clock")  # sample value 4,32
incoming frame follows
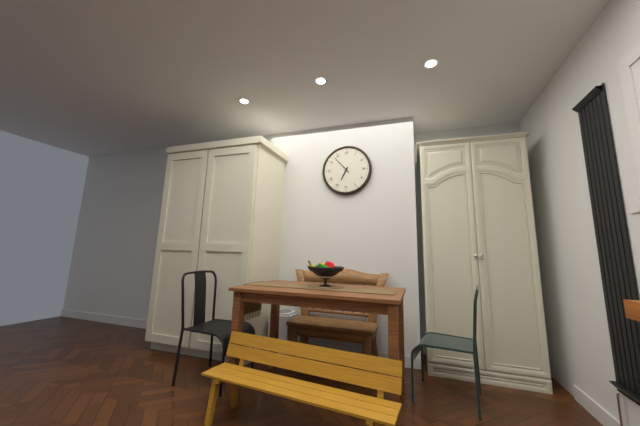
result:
6,53
